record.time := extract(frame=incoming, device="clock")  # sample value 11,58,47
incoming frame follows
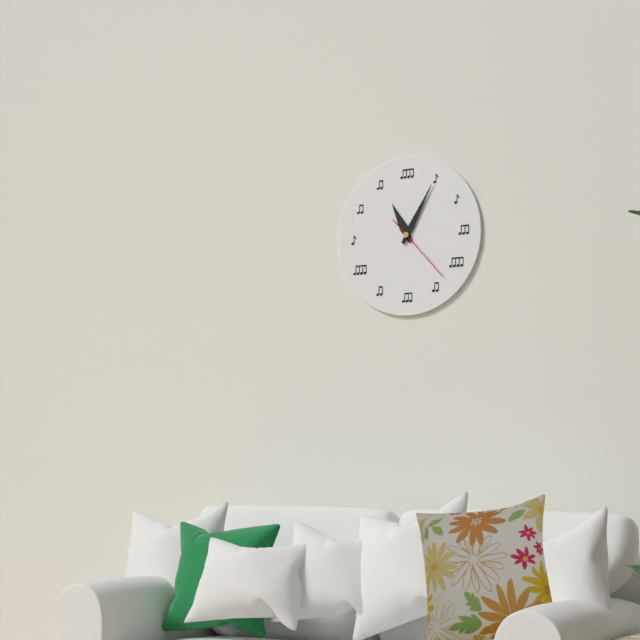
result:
11,05,23
